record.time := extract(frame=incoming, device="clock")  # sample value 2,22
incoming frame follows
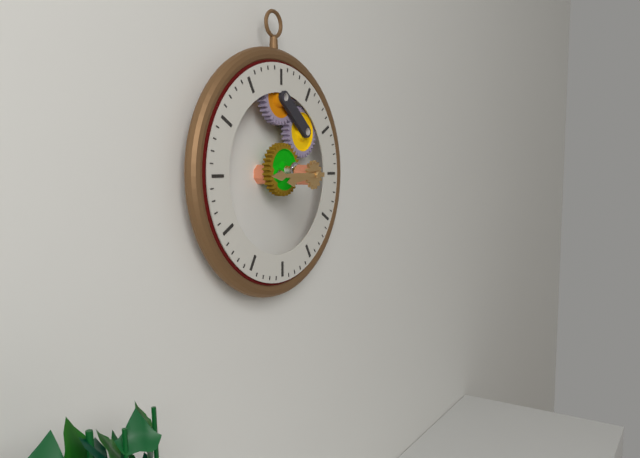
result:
8,45
